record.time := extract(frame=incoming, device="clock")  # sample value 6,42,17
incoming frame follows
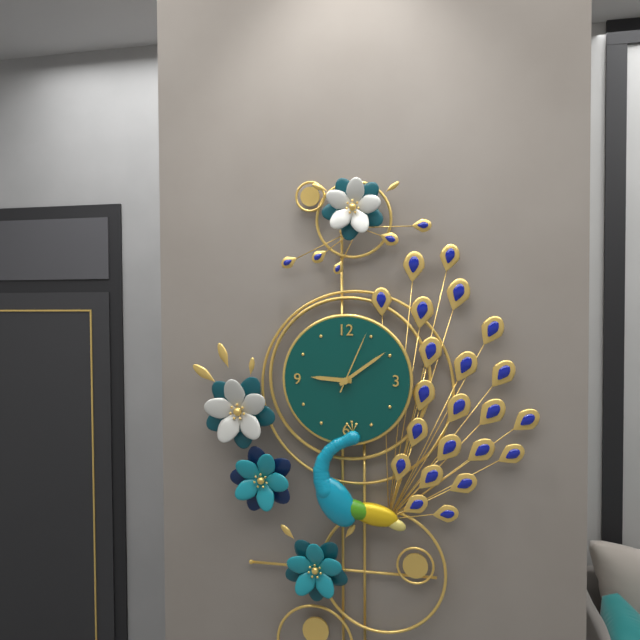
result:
9,09,04
